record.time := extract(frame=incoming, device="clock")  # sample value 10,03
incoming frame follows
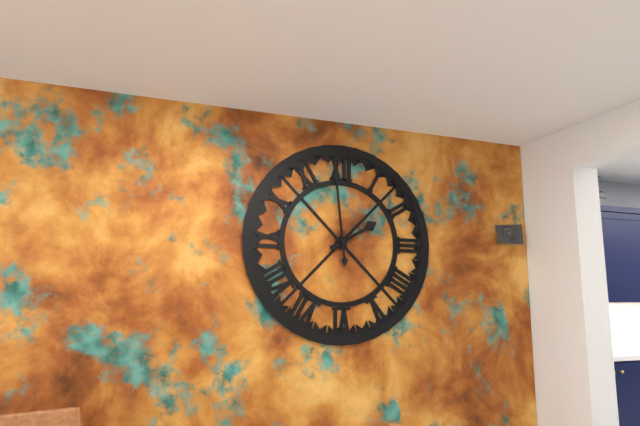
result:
1,59
